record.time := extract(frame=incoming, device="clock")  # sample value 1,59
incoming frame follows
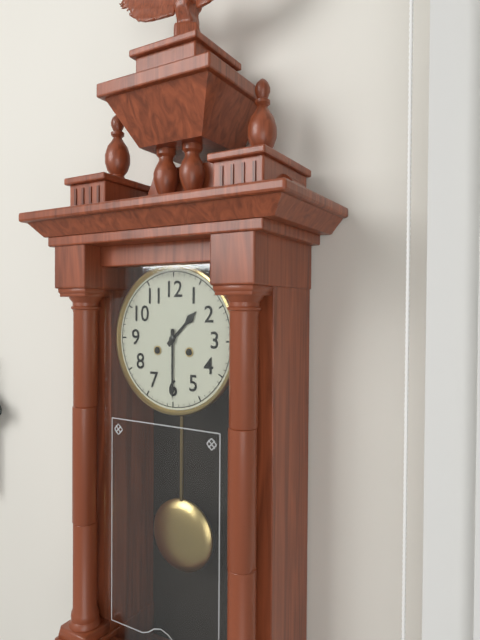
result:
1,30
